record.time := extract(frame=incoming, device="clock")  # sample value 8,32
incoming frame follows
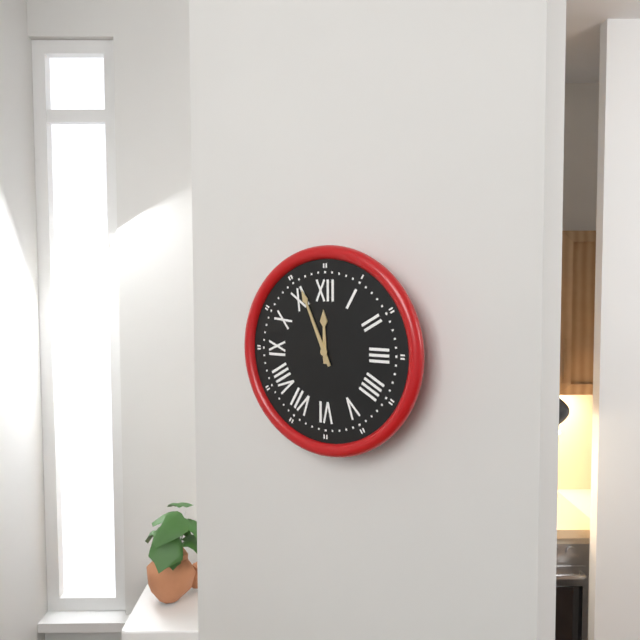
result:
11,56
